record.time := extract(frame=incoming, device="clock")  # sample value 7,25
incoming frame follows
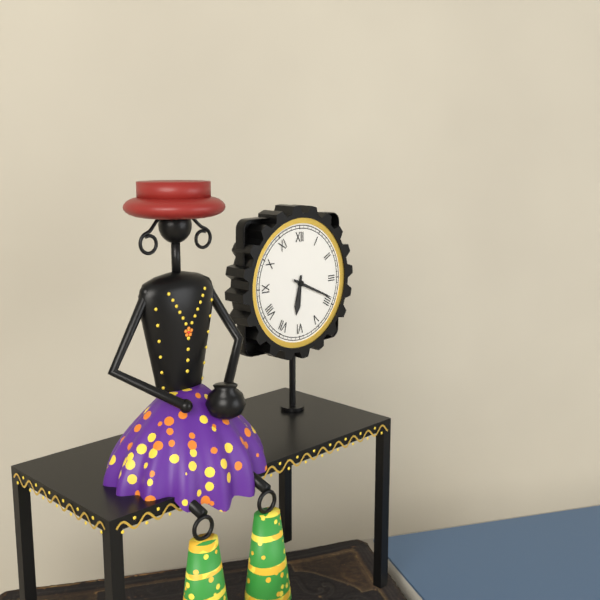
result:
6,19
